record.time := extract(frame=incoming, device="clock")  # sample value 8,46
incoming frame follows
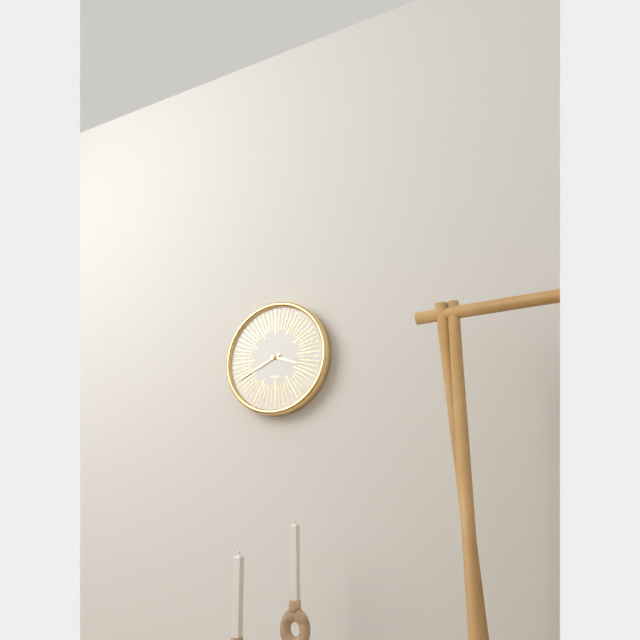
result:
3,41
